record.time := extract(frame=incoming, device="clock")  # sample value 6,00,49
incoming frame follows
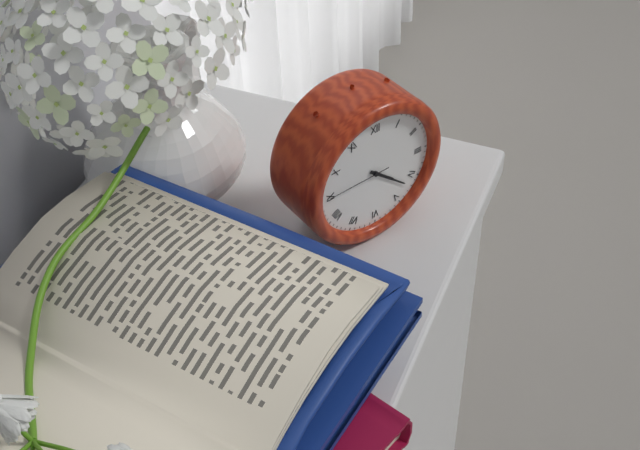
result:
4,22,45
